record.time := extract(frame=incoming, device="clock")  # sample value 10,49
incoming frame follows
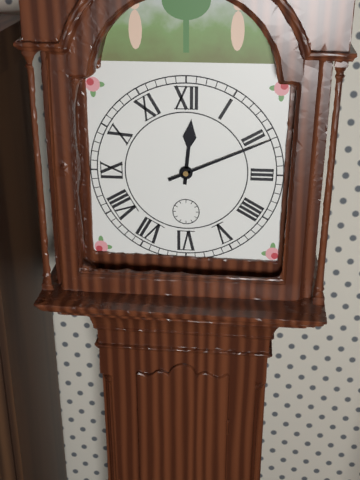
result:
12,11
